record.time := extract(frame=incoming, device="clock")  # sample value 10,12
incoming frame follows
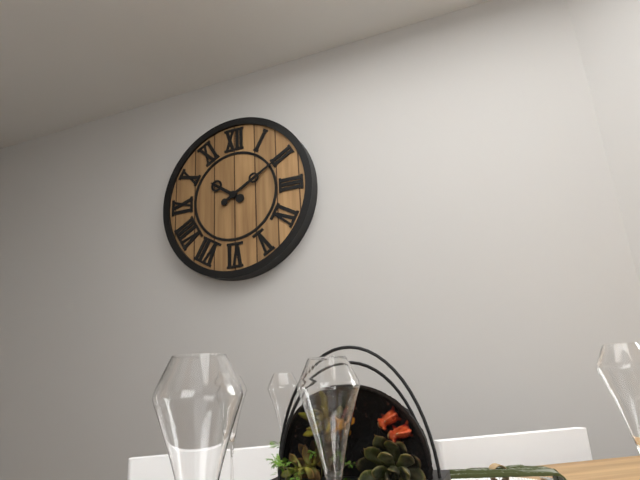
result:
10,10
